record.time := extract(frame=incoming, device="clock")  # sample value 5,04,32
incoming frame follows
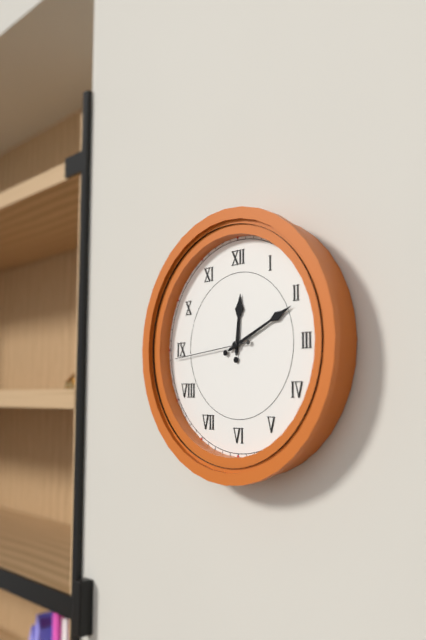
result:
12,11,44
